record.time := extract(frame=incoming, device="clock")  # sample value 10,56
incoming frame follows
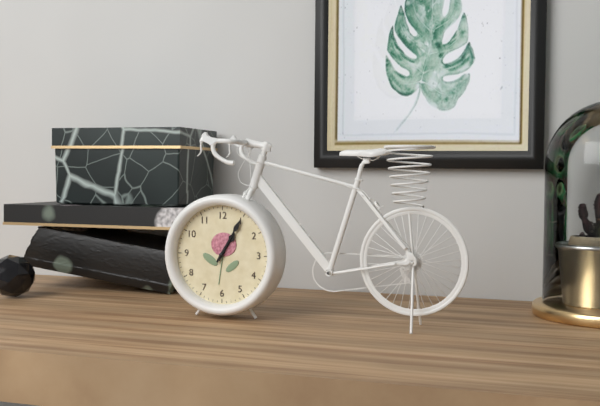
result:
1,05
